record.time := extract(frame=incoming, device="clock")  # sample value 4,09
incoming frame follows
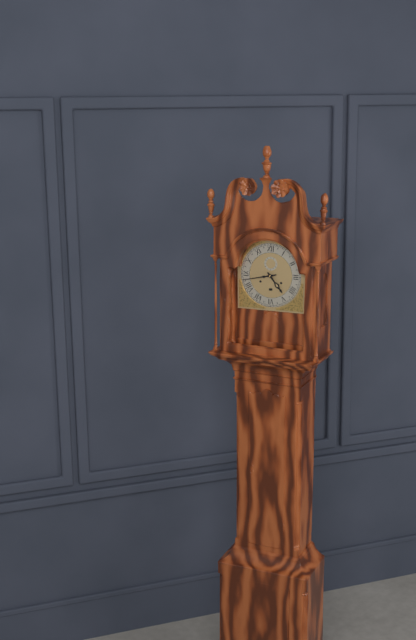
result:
4,43
